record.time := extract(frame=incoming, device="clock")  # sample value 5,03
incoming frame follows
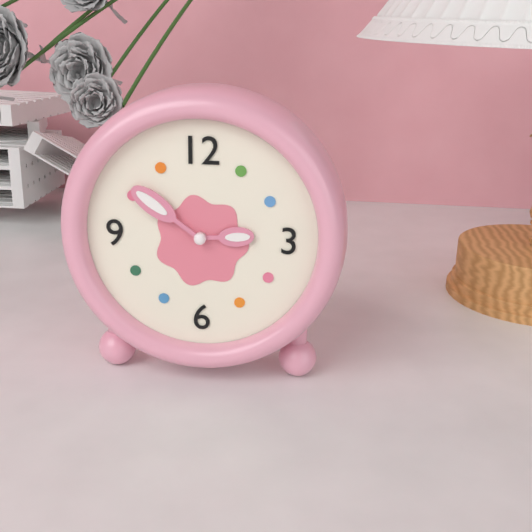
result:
2,51
